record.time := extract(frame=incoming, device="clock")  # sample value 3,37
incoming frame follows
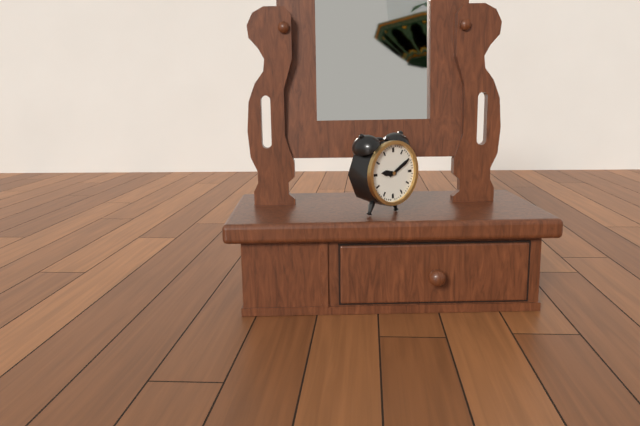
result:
9,10
